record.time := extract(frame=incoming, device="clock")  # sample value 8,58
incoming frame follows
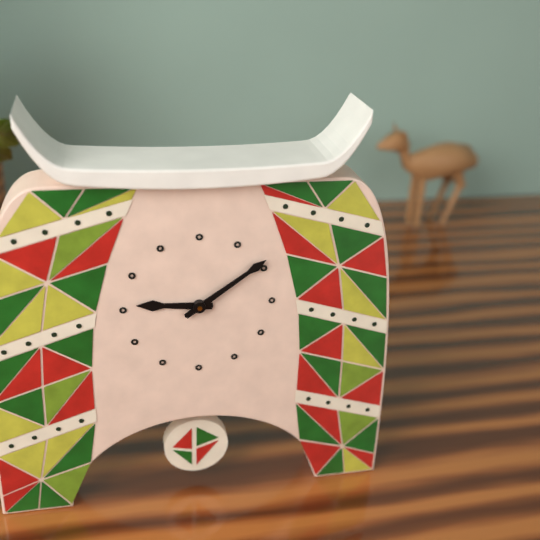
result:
9,09
